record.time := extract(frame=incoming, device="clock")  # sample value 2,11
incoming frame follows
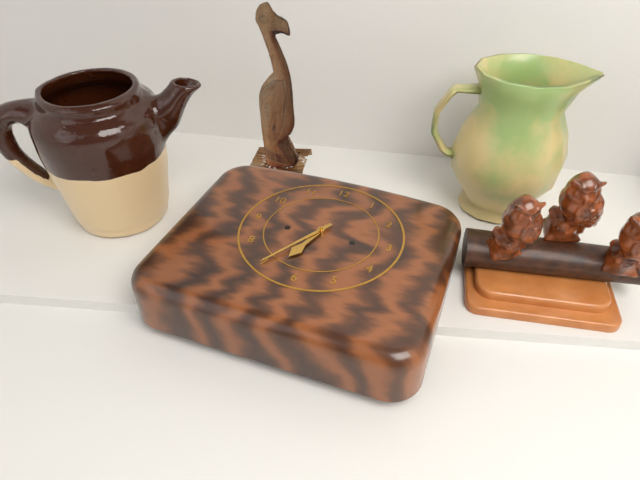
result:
6,35
